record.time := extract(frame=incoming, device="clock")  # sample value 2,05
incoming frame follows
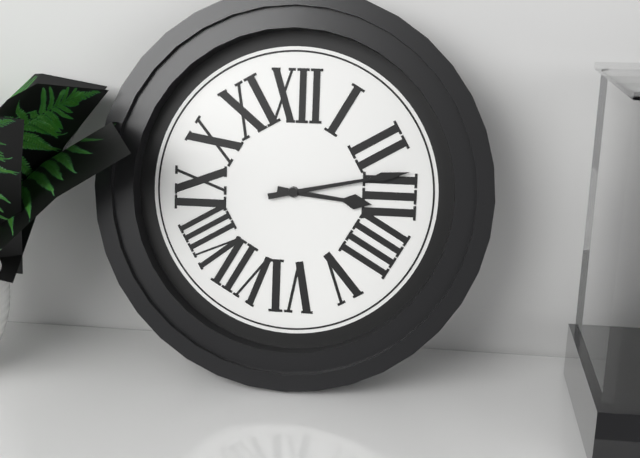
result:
3,13
